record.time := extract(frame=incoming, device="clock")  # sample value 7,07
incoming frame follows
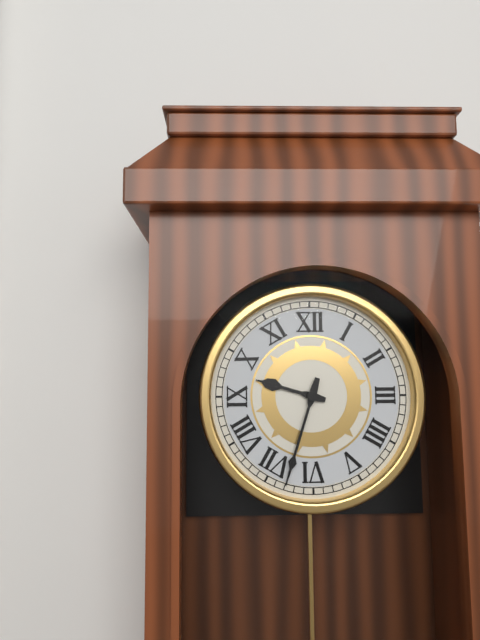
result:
9,33
